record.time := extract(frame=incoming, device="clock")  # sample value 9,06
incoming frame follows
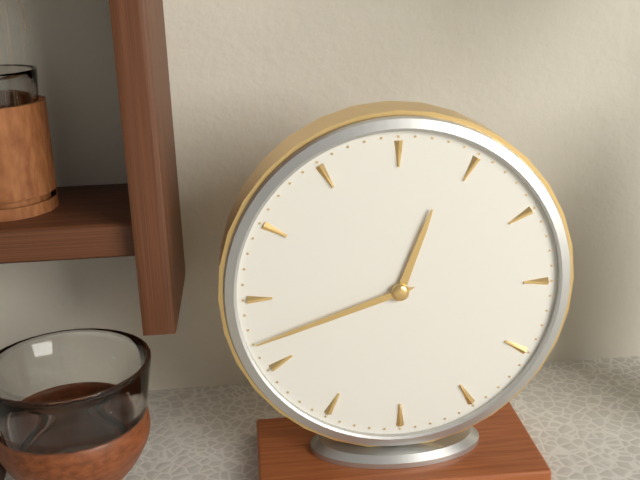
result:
12,42
